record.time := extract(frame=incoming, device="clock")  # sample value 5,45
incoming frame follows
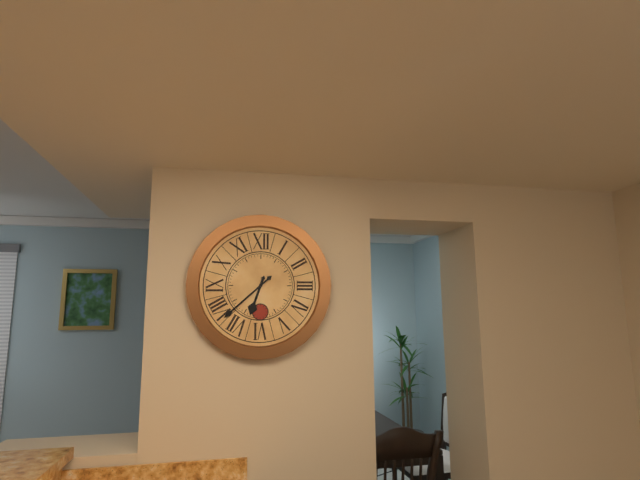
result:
6,38
